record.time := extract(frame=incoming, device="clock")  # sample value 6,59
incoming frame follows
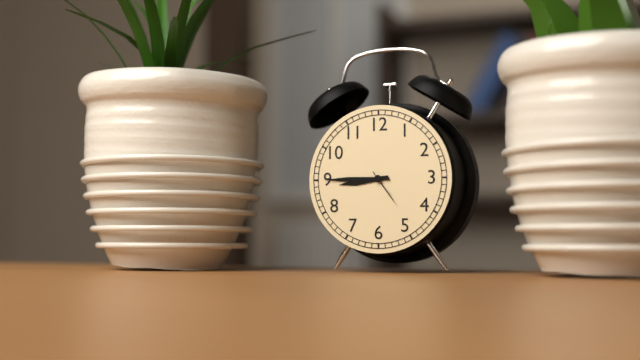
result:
8,45
